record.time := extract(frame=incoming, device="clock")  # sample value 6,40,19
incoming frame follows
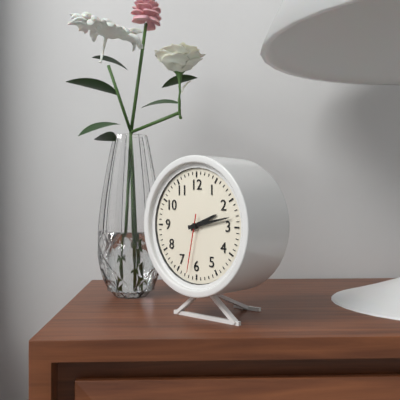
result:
2,13,32
